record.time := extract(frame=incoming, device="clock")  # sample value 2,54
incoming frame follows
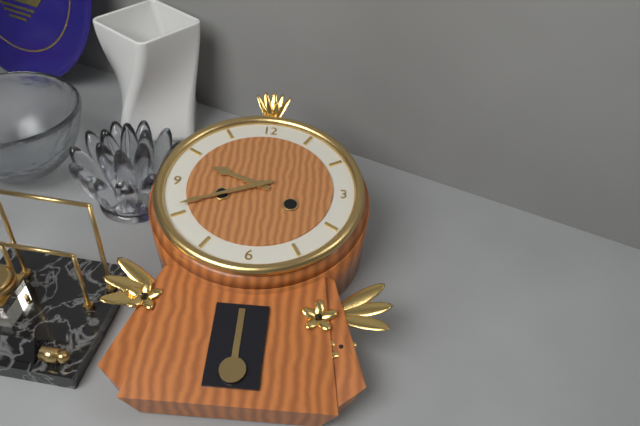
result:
9,41
